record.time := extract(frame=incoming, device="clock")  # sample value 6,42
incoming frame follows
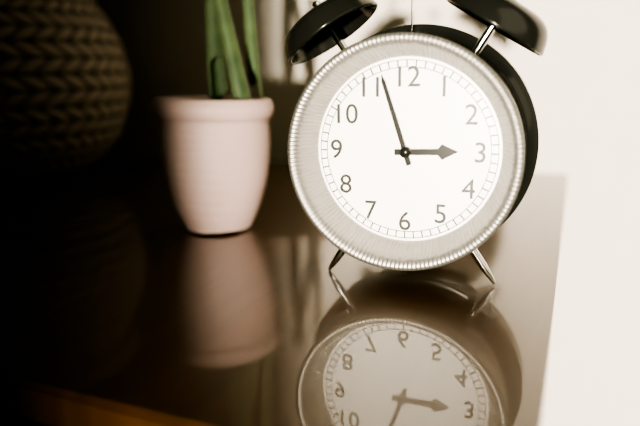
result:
2,57
